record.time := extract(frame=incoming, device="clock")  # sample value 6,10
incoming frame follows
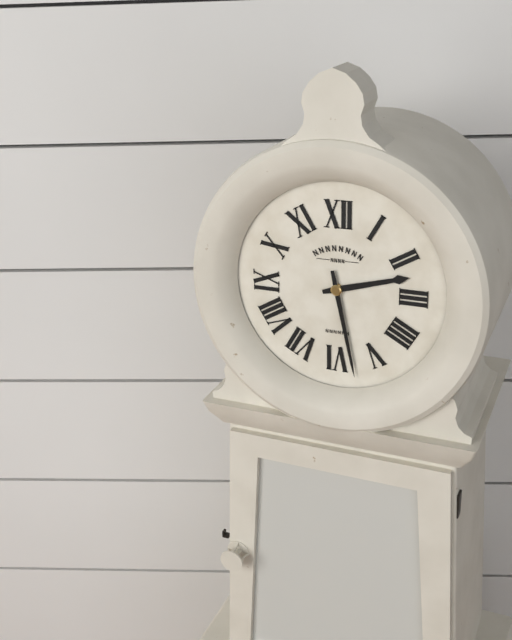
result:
2,28
